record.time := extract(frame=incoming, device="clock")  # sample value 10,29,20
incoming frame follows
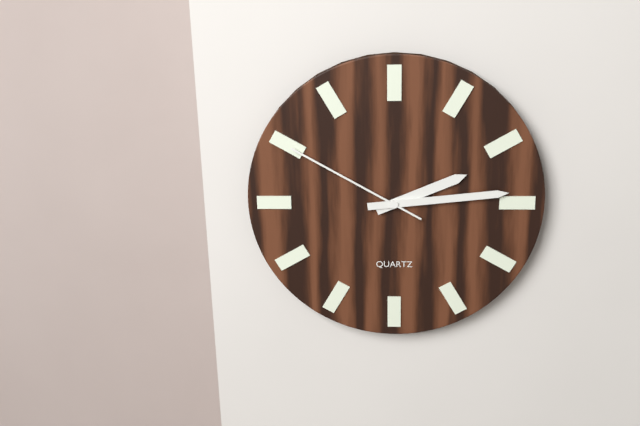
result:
2,14,50
